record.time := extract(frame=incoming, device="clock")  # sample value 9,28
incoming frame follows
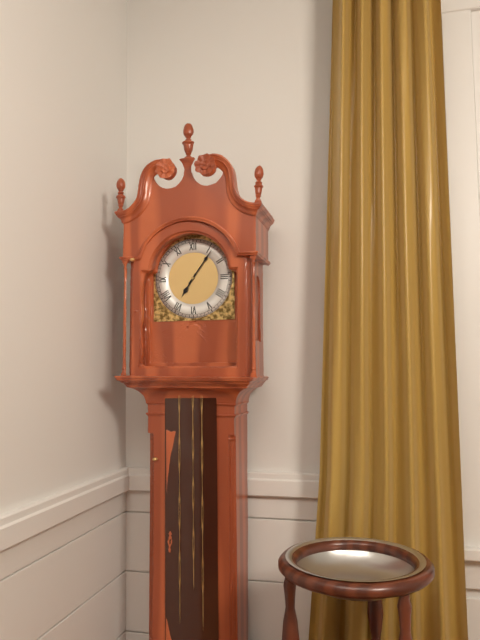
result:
7,06
